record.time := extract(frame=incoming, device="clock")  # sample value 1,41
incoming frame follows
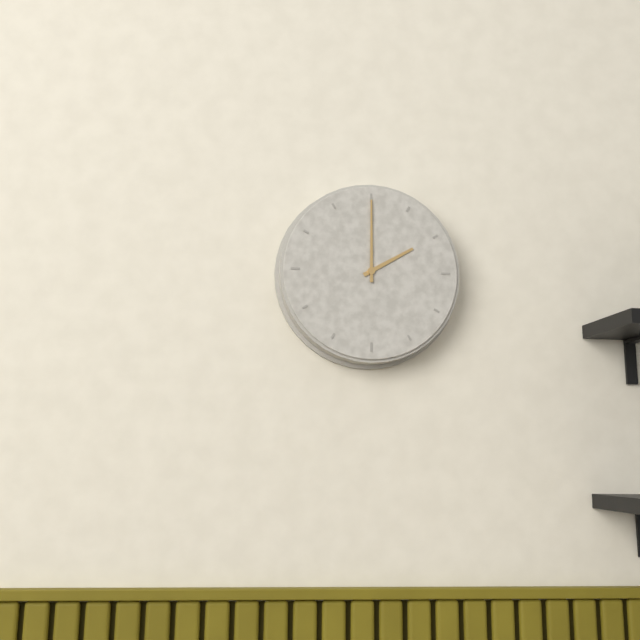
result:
2,00
